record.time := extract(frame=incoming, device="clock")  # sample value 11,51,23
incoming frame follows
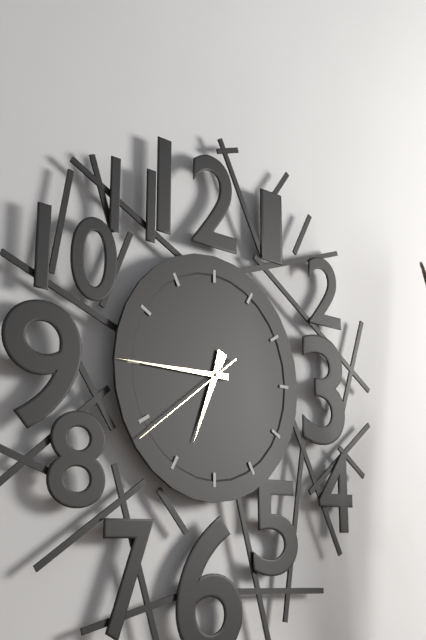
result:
6,45,39
